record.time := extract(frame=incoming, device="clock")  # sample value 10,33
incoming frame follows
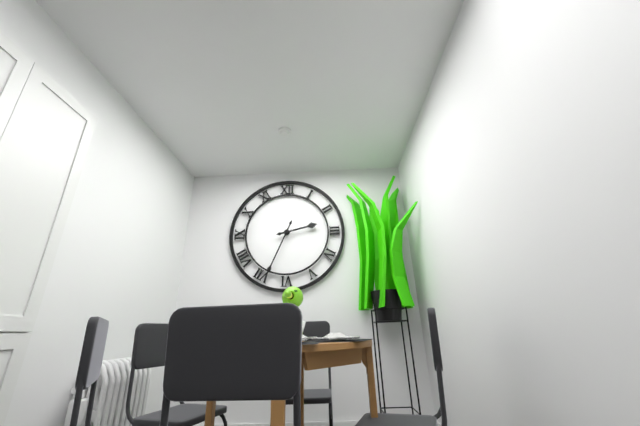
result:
2,34
